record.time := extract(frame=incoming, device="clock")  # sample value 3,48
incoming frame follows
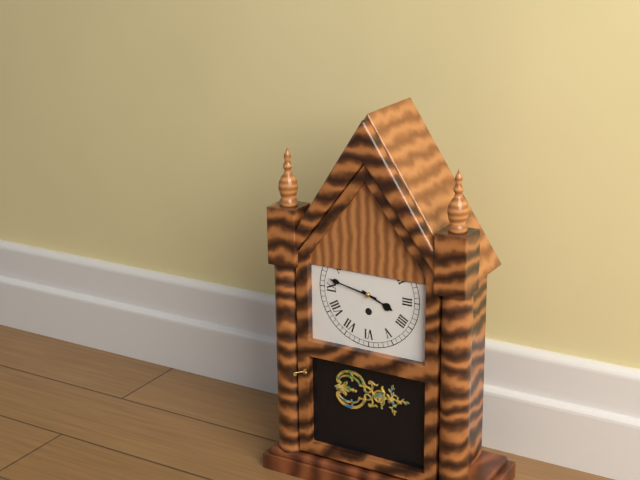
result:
3,47
